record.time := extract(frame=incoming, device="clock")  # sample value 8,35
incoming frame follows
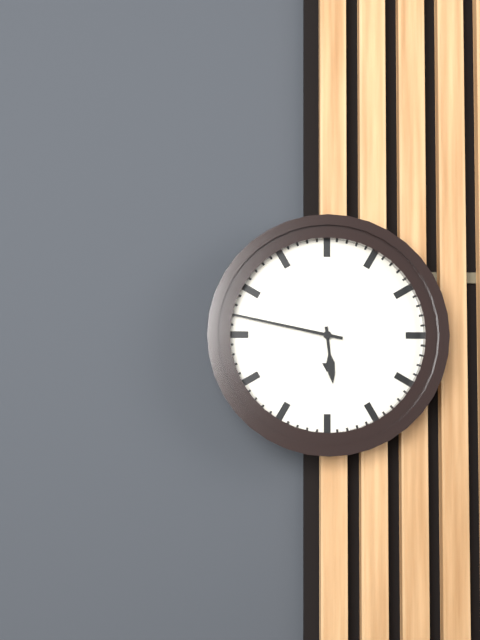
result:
5,47
